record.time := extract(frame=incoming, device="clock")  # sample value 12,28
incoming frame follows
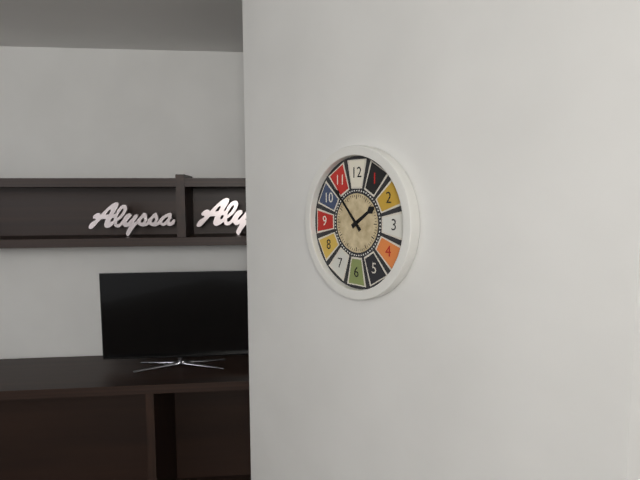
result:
1,53
